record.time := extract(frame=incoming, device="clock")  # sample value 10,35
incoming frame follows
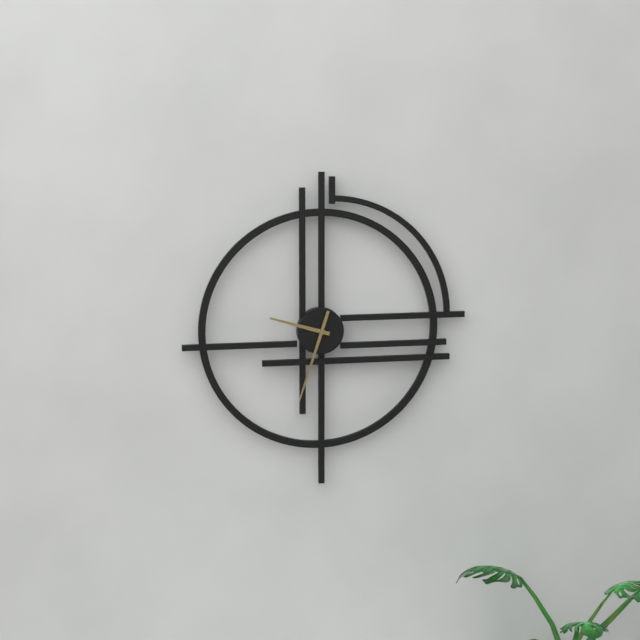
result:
9,33
